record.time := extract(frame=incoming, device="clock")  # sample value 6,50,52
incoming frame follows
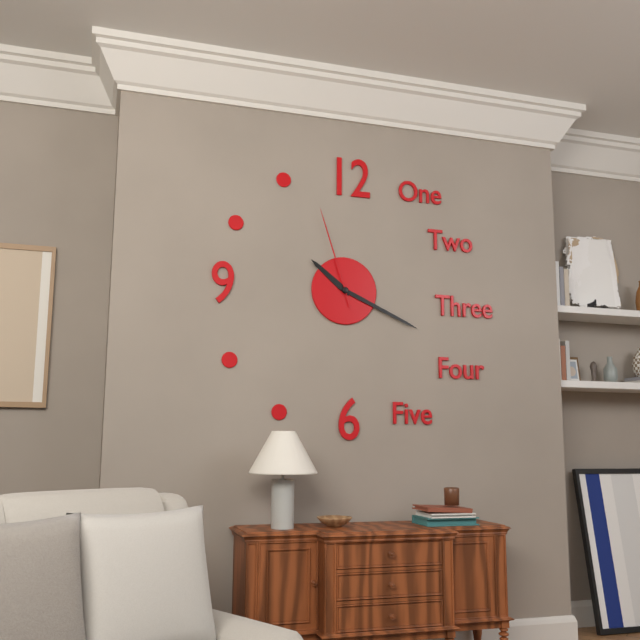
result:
10,19,57
